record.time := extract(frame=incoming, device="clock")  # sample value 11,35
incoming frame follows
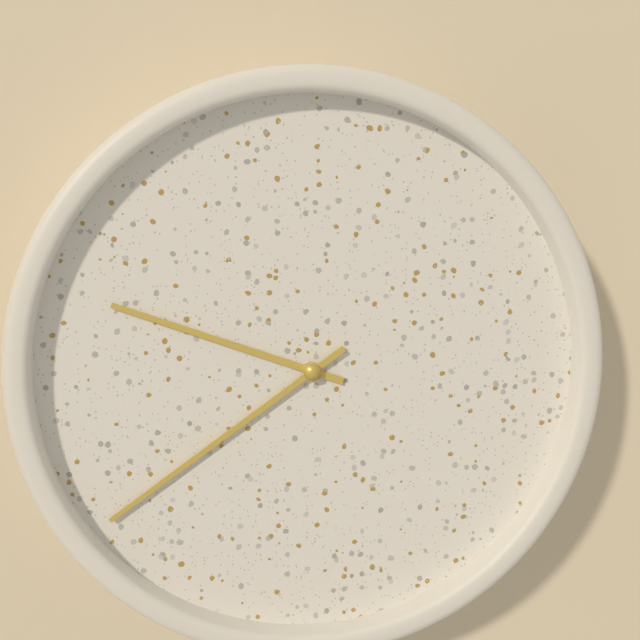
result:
9,39
